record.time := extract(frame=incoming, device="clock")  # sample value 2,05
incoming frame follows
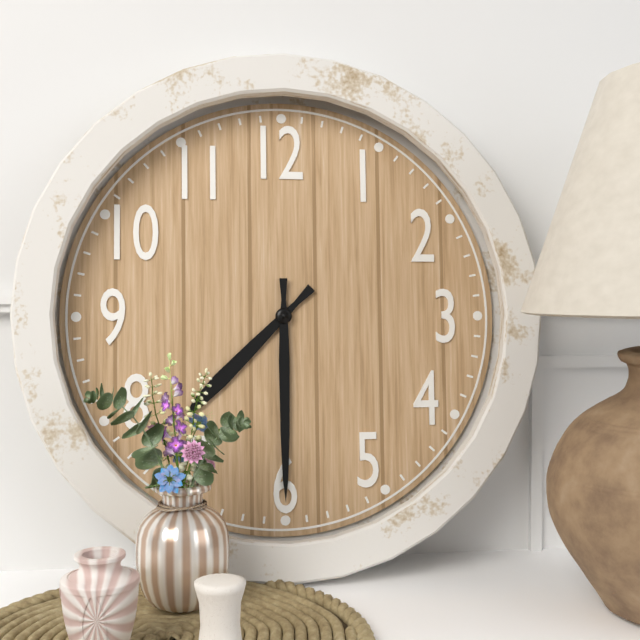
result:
7,30
